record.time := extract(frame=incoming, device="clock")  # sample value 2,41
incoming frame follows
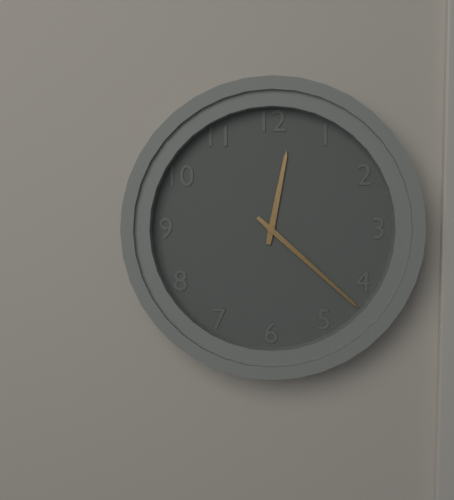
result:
12,22
